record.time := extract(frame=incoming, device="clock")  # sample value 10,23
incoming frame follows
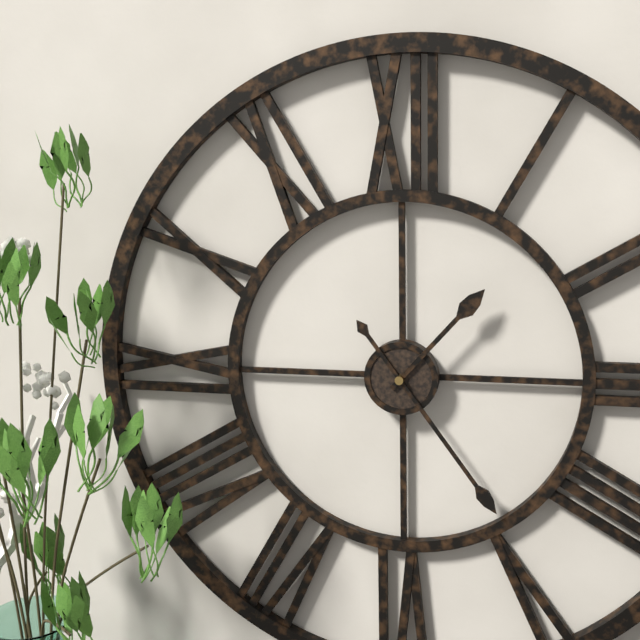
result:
1,24
